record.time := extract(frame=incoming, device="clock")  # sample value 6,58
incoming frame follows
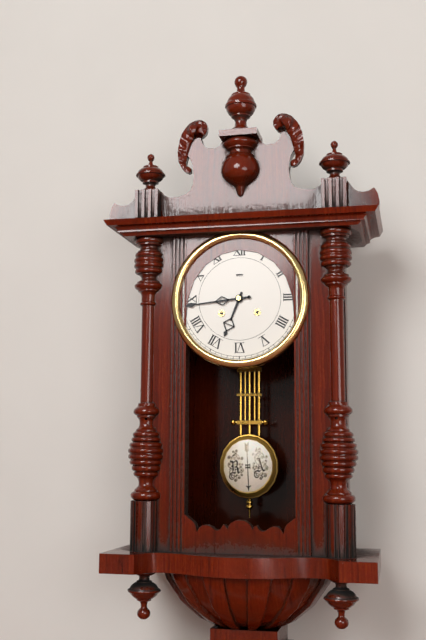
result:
6,44
